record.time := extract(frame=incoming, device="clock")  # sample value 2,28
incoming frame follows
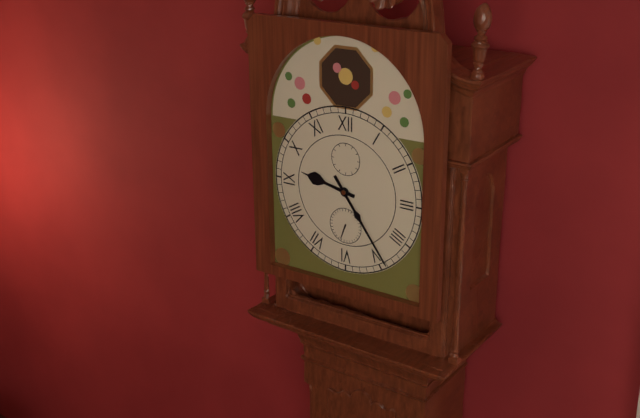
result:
9,24
